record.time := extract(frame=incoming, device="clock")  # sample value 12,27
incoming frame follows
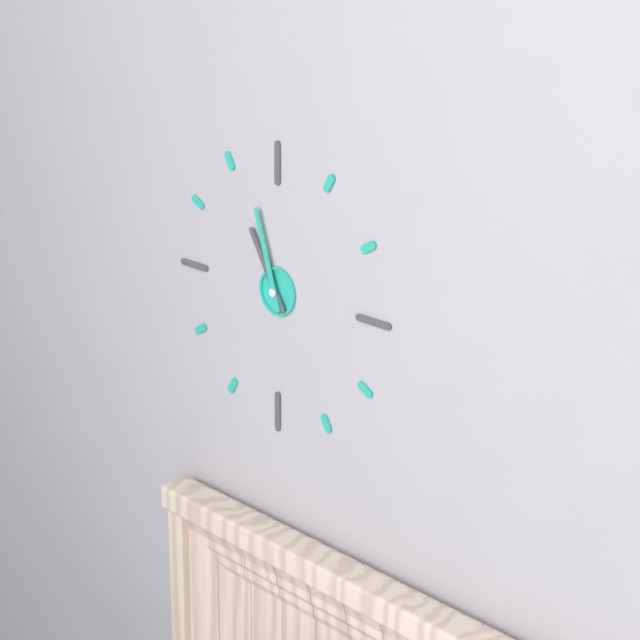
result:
10,57
